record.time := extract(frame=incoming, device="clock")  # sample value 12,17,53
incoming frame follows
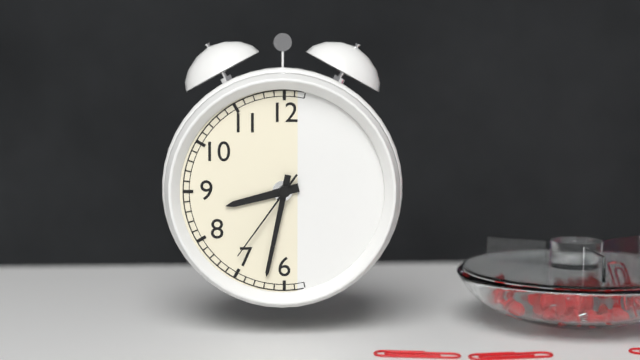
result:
8,32,36
